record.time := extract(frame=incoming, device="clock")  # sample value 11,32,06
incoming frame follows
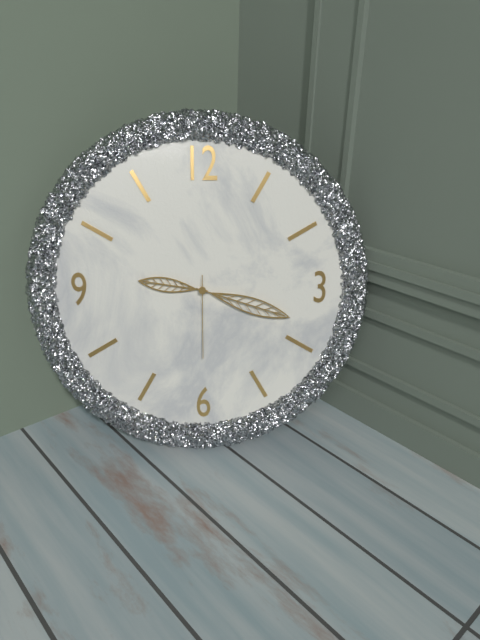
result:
9,18,30
